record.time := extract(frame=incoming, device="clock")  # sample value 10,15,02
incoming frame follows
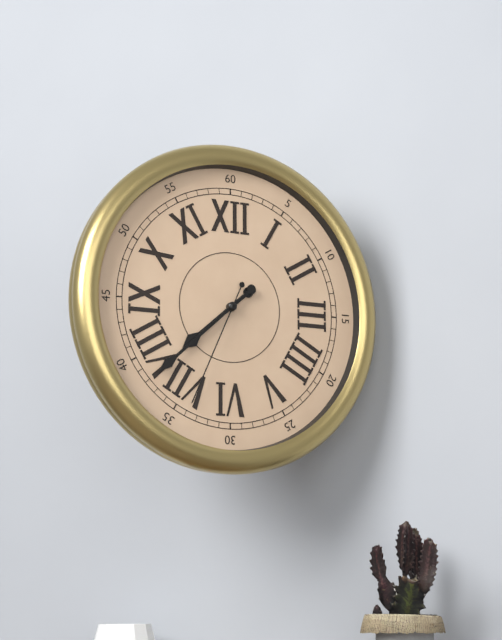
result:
7,38,34
